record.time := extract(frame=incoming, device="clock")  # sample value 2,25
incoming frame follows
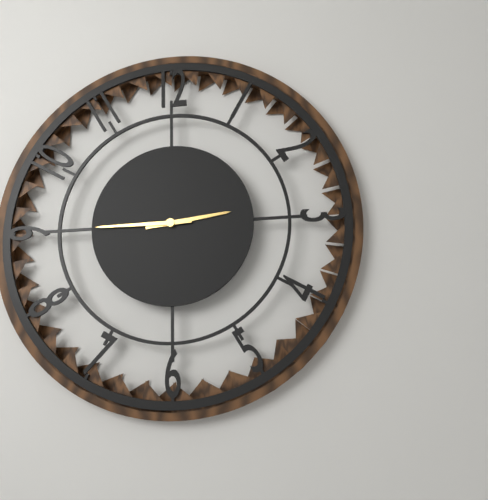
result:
2,45
